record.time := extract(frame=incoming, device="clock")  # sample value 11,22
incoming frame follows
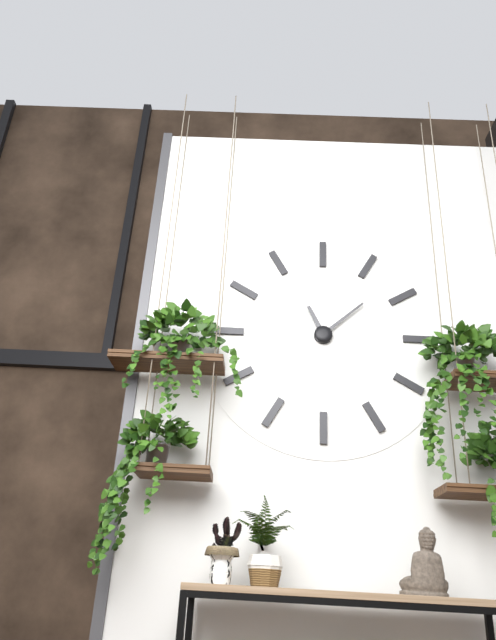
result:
11,08
